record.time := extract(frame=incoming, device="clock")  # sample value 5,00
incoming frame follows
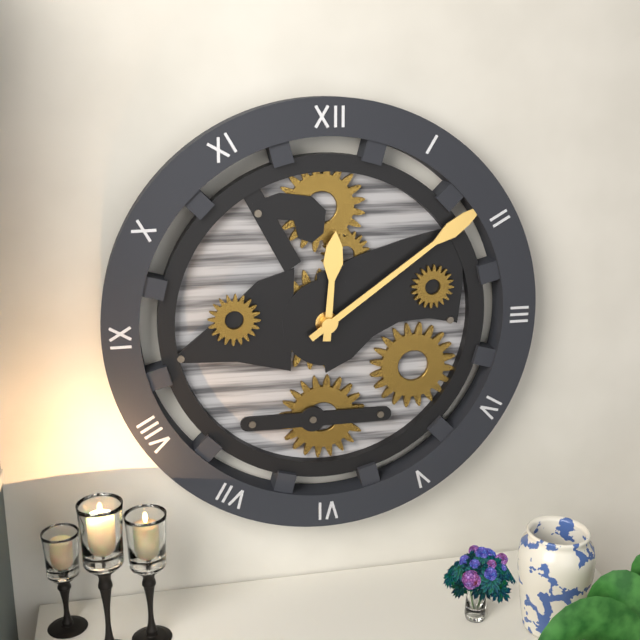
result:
12,09
